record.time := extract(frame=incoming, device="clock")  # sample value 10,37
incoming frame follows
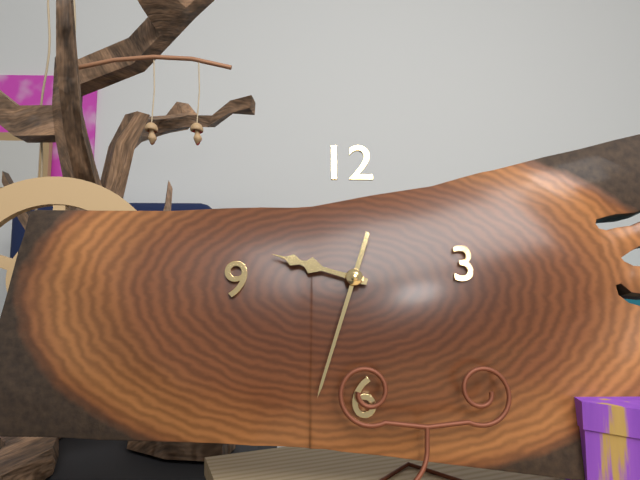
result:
9,33
